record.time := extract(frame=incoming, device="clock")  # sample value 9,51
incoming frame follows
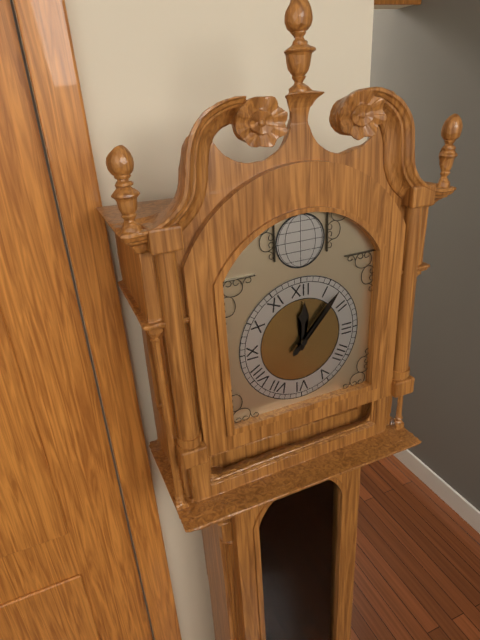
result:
12,07
